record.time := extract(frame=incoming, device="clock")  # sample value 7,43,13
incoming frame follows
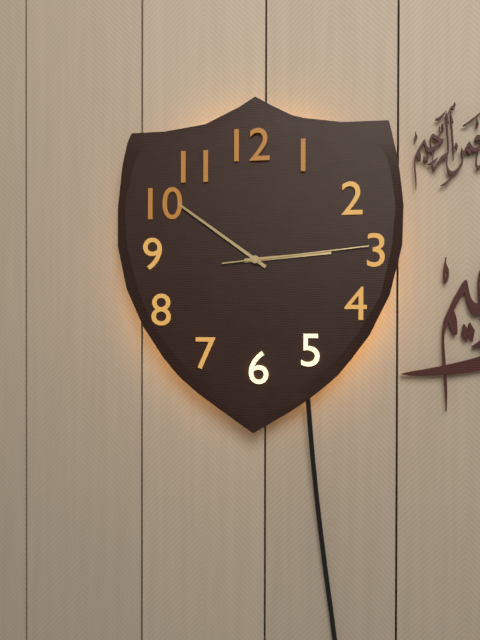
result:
2,51,14
